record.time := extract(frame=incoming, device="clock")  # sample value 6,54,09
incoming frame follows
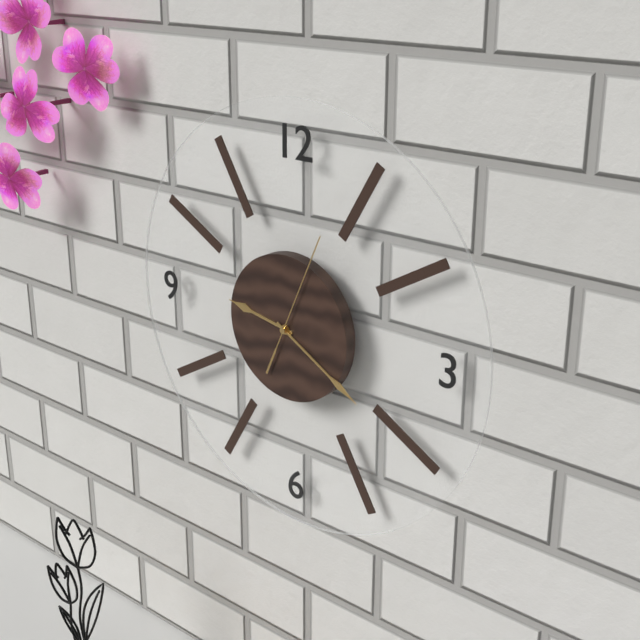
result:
9,20,04
